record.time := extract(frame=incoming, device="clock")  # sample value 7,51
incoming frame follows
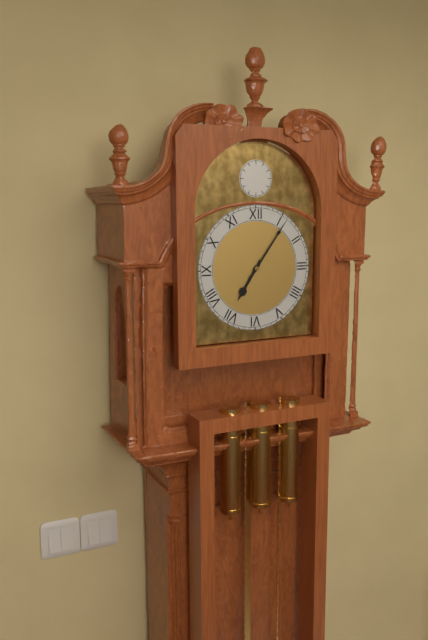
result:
7,06
